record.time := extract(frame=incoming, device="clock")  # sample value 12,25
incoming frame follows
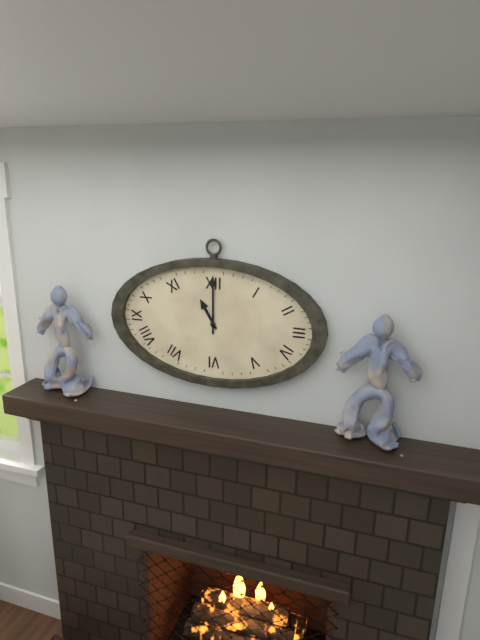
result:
11,00
